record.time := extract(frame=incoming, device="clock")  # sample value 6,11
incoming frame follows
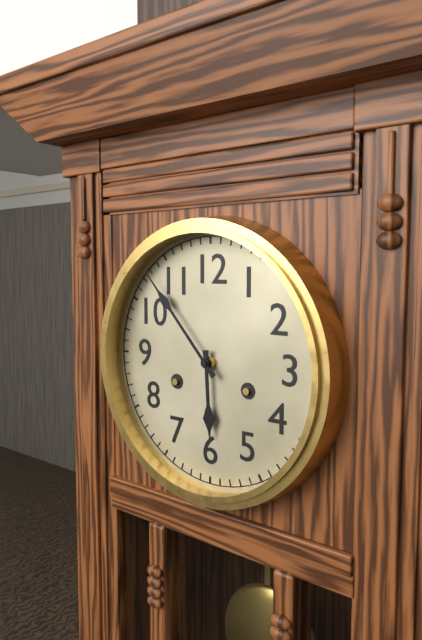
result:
5,53
